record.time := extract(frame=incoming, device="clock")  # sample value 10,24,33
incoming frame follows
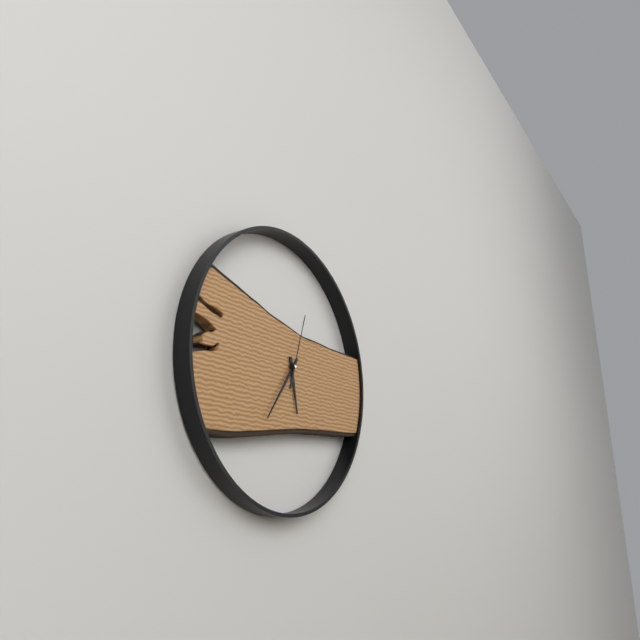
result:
5,36,03
